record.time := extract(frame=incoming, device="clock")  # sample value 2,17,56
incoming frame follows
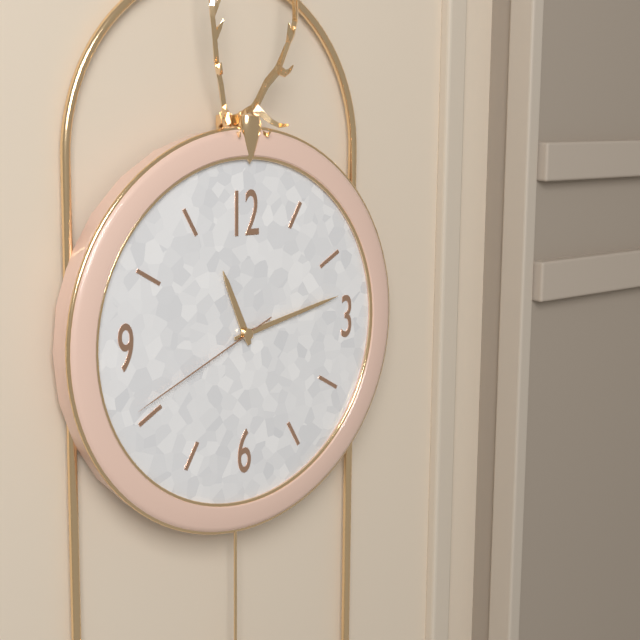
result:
11,13,41
